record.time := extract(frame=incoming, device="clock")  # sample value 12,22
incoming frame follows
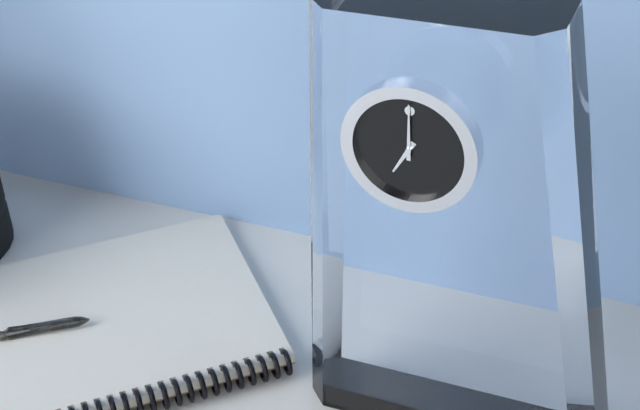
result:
7,00
